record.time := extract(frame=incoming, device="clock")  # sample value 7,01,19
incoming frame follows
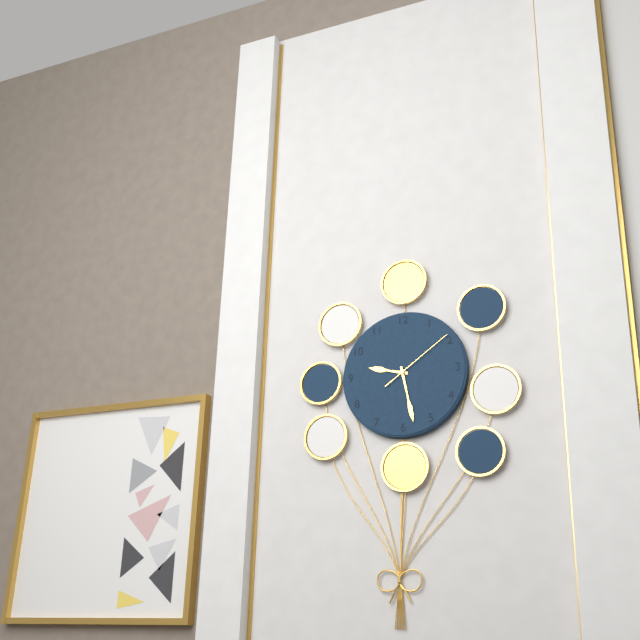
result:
9,28,09
